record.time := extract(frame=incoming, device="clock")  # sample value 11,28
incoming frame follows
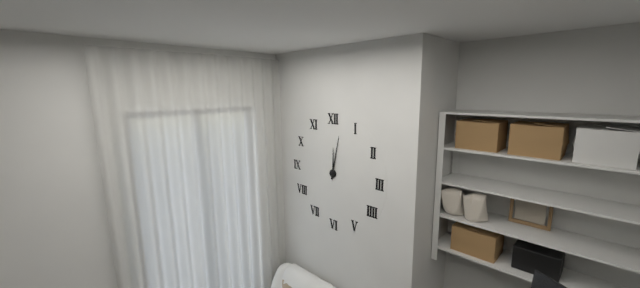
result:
12,02
